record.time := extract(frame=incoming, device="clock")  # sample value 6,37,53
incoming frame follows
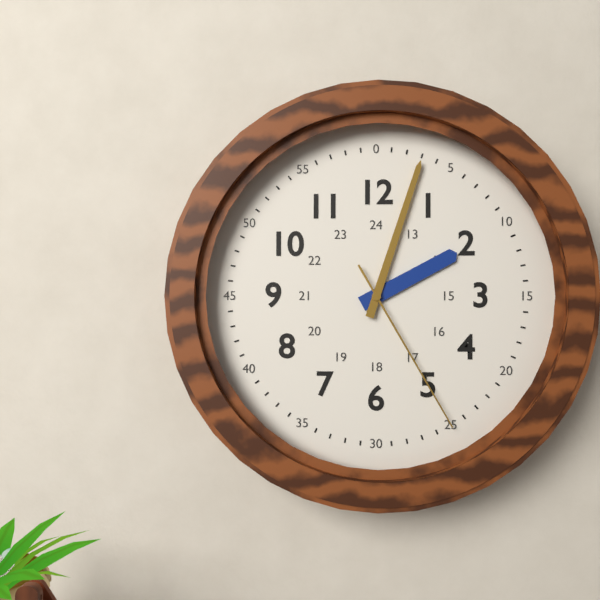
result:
2,03,25
